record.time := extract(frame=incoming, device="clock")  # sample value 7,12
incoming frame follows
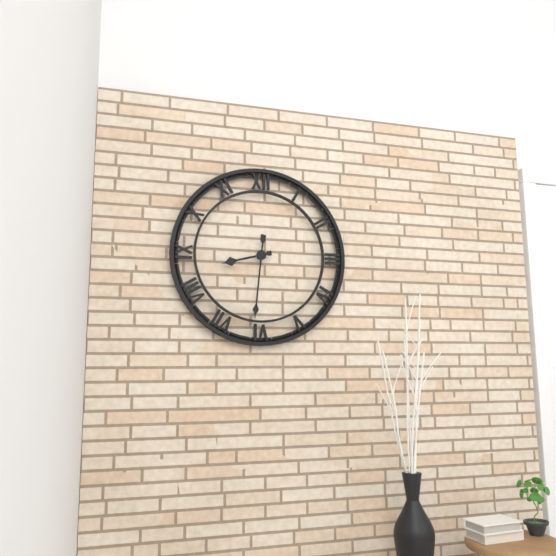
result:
8,31
